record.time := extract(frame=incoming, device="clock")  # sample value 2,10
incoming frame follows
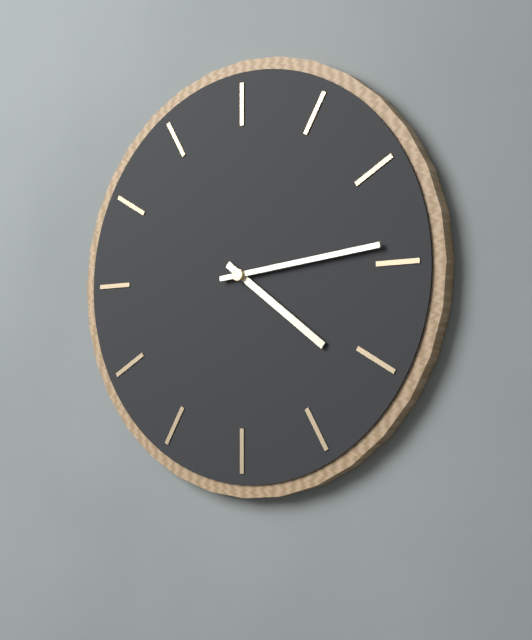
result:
4,14
